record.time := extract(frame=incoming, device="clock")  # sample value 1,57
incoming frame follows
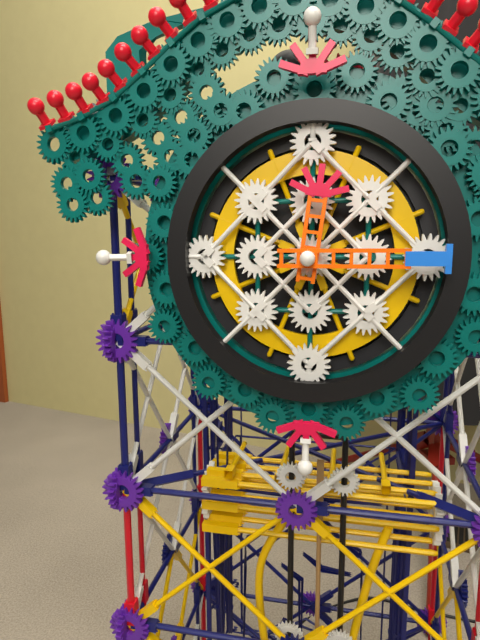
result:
12,15
